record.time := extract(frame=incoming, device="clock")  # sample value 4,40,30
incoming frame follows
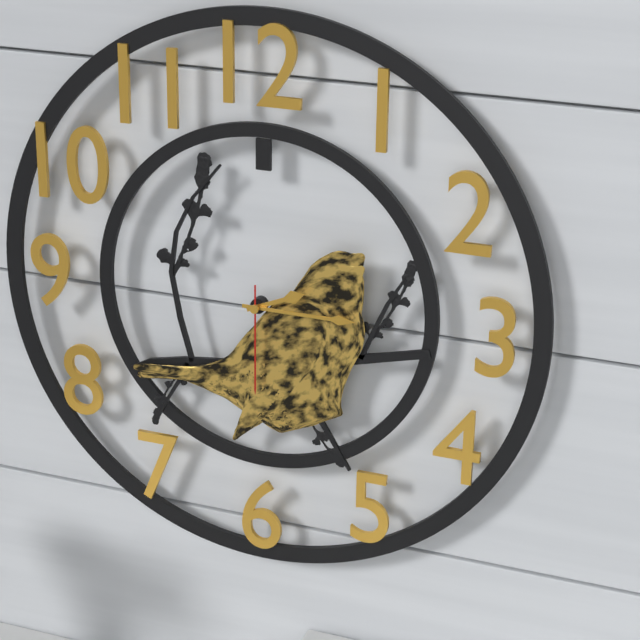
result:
2,15,30
